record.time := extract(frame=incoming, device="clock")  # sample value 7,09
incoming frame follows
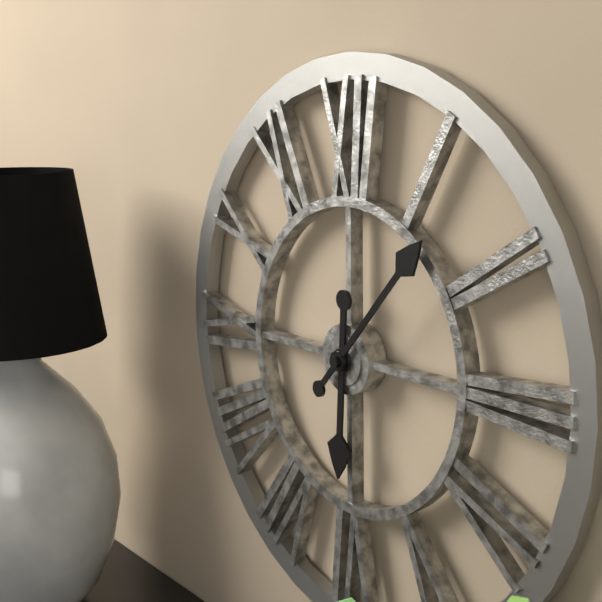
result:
6,07
